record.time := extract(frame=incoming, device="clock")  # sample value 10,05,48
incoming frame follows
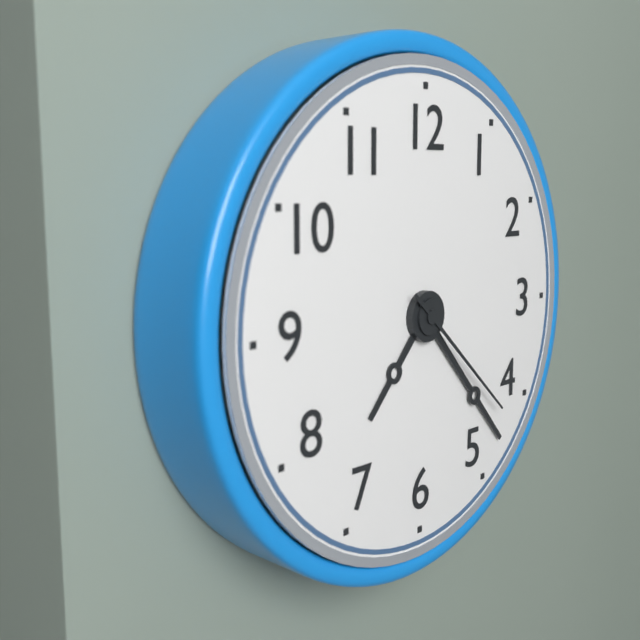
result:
7,23,22
